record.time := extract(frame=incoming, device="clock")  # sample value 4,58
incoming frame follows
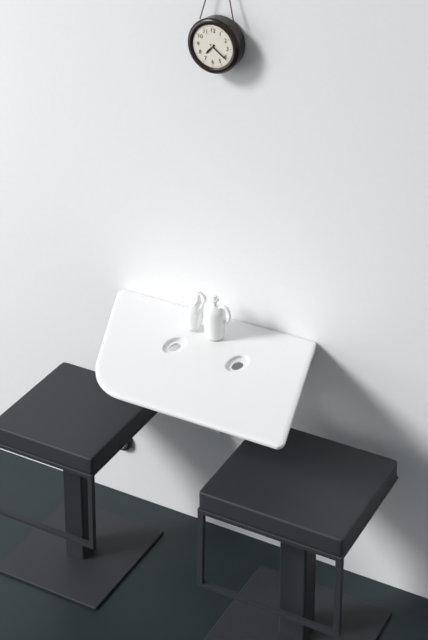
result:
7,21
